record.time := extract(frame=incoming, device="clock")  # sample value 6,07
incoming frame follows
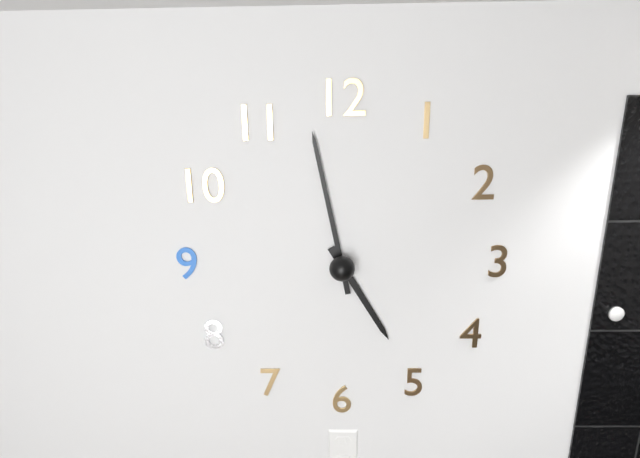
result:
4,58
